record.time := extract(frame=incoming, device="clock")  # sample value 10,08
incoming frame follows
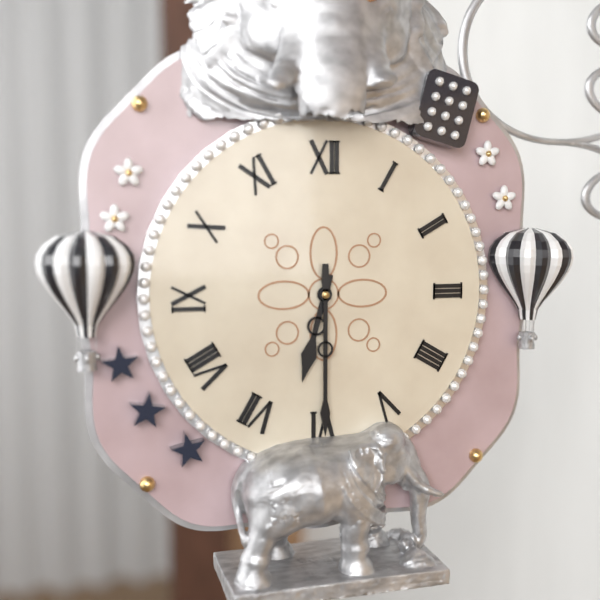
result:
6,30
